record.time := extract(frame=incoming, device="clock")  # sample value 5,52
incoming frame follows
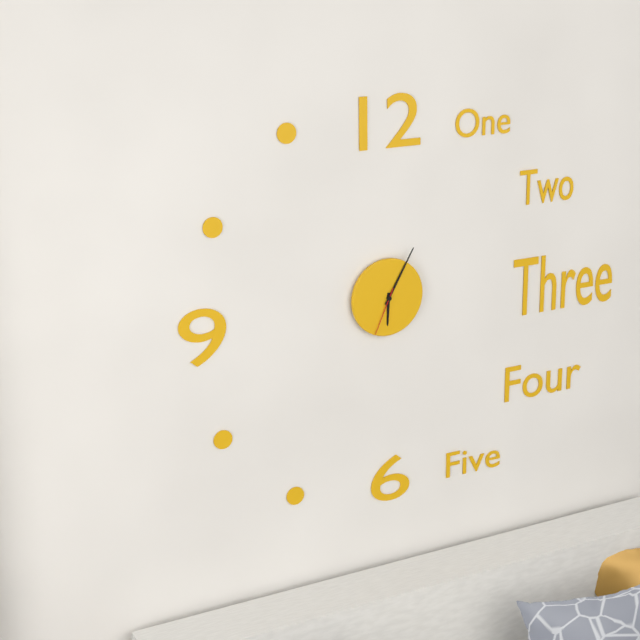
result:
6,05
